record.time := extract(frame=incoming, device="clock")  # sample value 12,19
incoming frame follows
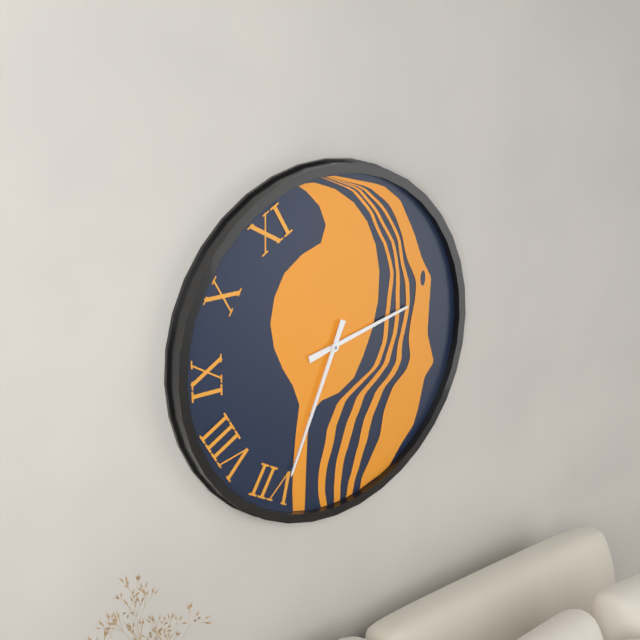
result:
2,34
